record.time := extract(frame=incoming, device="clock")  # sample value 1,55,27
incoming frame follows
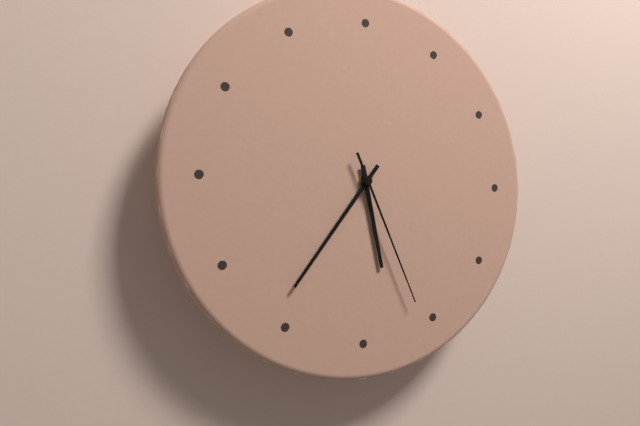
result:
5,36,26
